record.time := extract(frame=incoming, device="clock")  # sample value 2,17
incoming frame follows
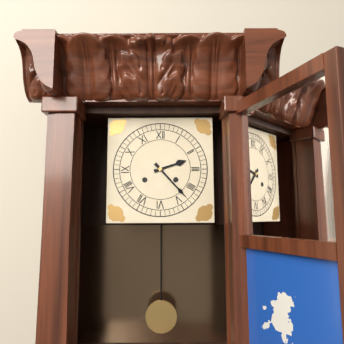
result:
2,23
